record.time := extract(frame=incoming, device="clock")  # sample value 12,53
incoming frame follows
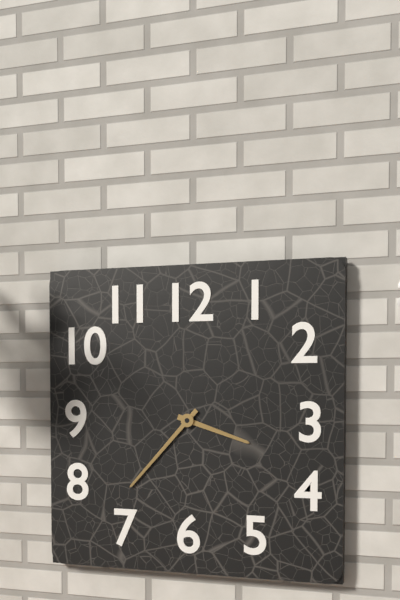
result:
3,37
